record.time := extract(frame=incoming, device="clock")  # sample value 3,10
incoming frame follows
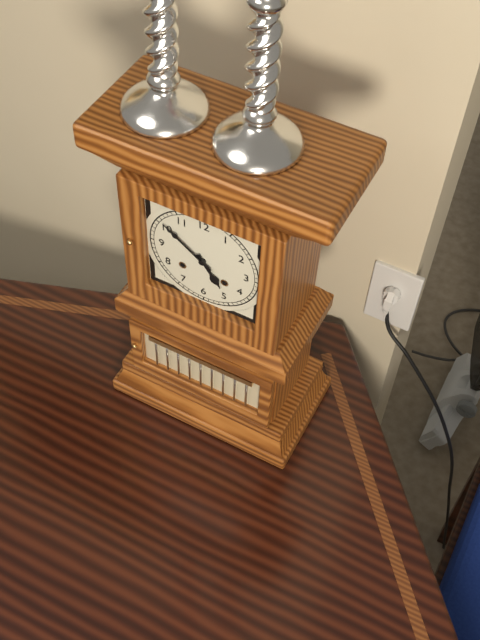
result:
4,51
